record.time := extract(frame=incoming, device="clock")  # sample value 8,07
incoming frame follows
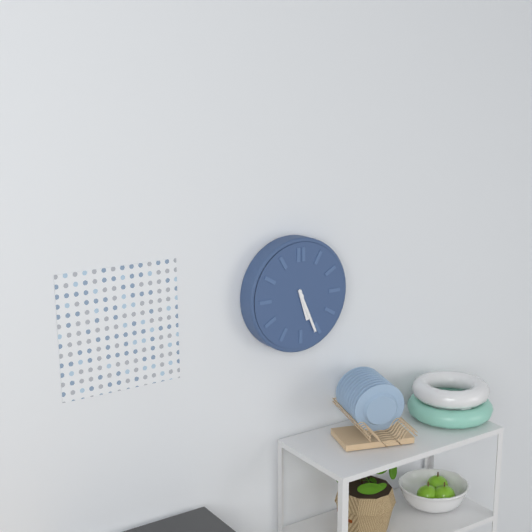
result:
5,26
